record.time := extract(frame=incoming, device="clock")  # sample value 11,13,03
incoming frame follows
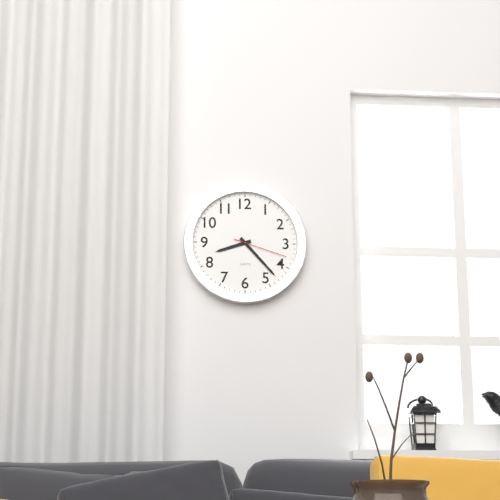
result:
8,23,18
